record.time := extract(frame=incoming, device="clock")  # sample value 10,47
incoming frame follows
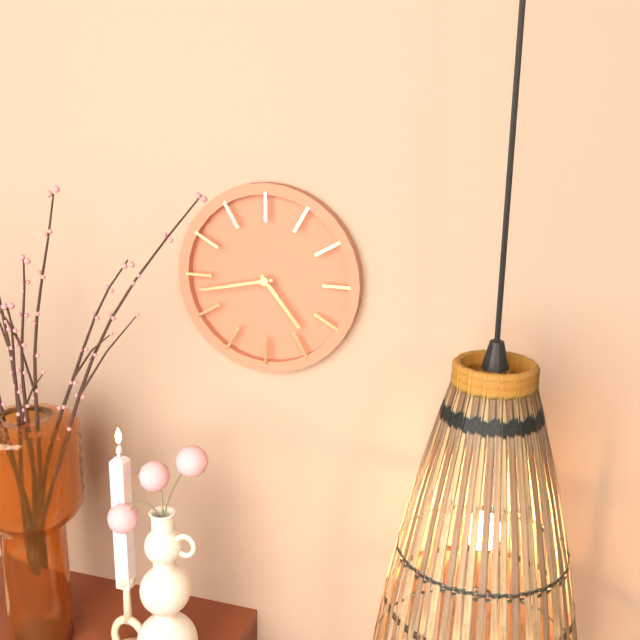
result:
4,43
